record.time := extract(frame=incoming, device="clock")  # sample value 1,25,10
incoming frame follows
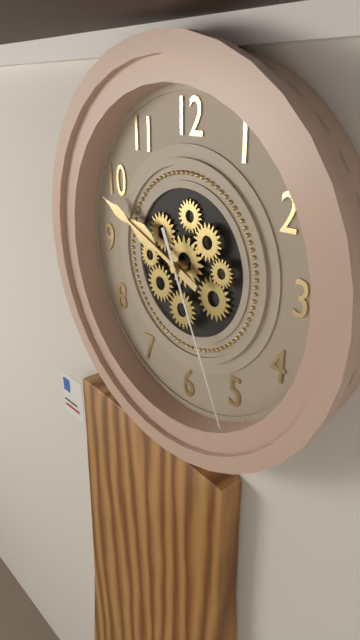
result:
9,49,26
